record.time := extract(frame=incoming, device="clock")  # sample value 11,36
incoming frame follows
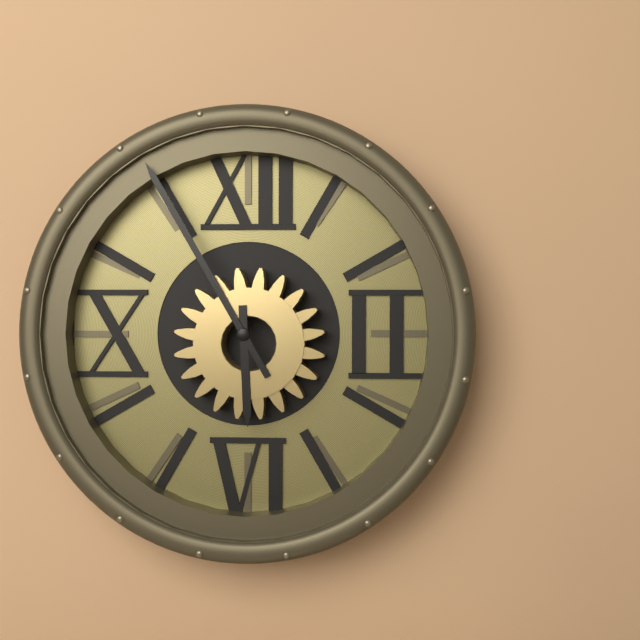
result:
5,55
